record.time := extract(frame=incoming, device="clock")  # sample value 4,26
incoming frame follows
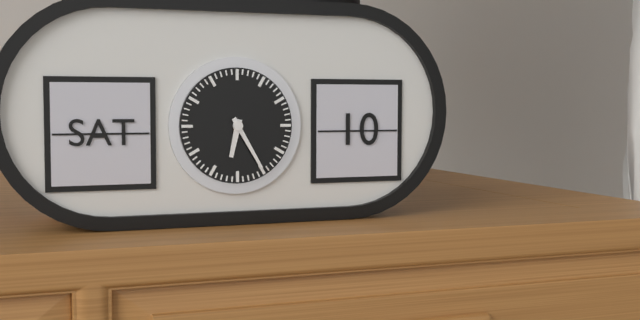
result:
6,25
